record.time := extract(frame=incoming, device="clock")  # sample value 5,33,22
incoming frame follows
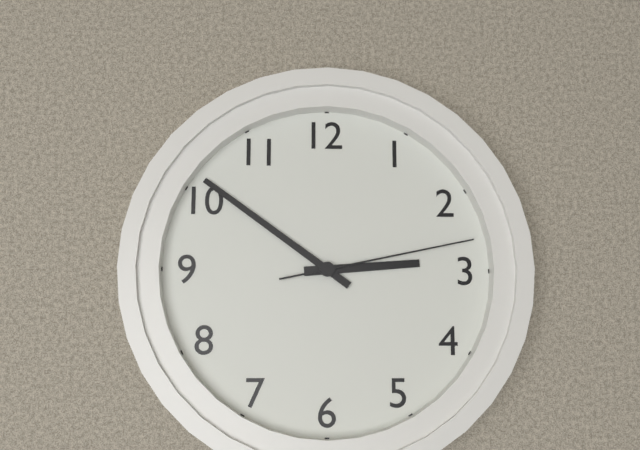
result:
2,51,13
